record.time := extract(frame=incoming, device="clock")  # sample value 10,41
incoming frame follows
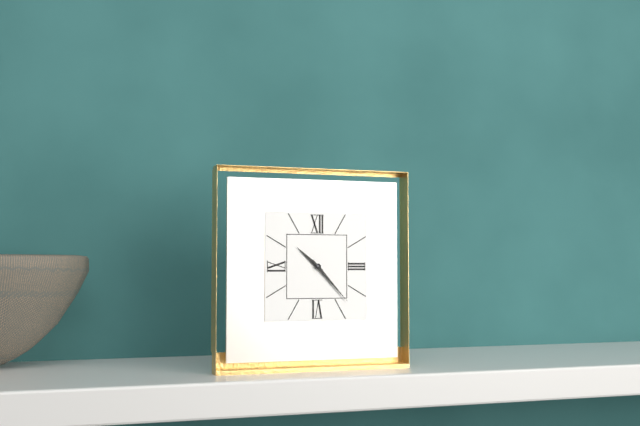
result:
10,23
